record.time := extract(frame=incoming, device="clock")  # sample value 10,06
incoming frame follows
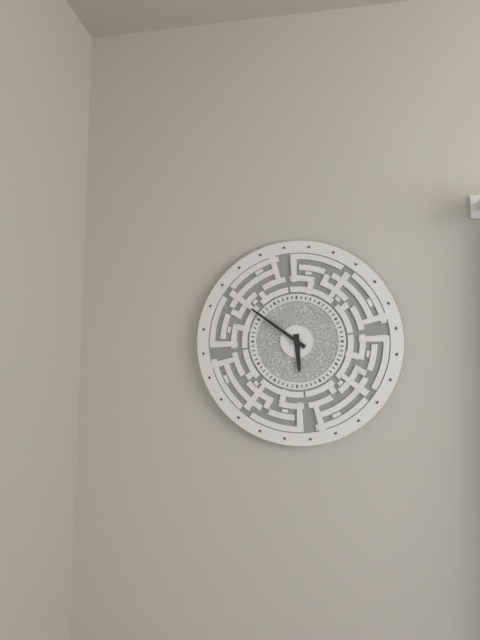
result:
5,51
